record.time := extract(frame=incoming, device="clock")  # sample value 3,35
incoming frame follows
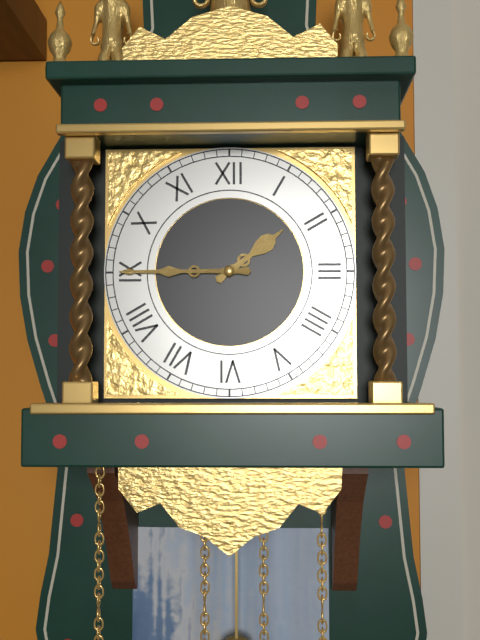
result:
1,45
